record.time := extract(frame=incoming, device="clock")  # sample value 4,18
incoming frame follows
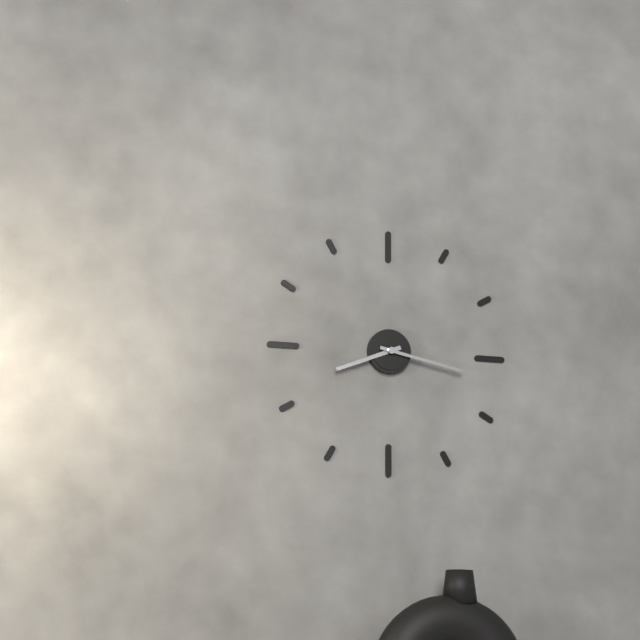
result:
8,17
